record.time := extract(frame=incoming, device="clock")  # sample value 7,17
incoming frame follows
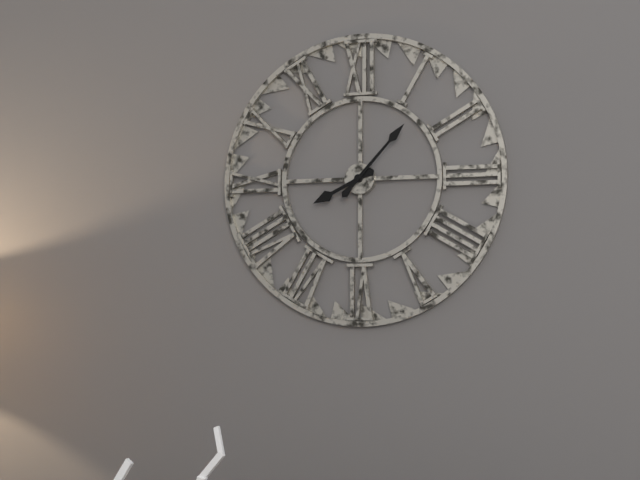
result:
8,07
